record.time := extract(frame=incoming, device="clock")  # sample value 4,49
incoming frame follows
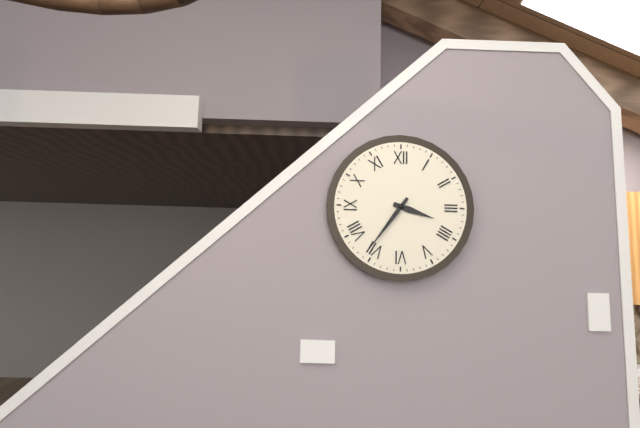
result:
3,36
